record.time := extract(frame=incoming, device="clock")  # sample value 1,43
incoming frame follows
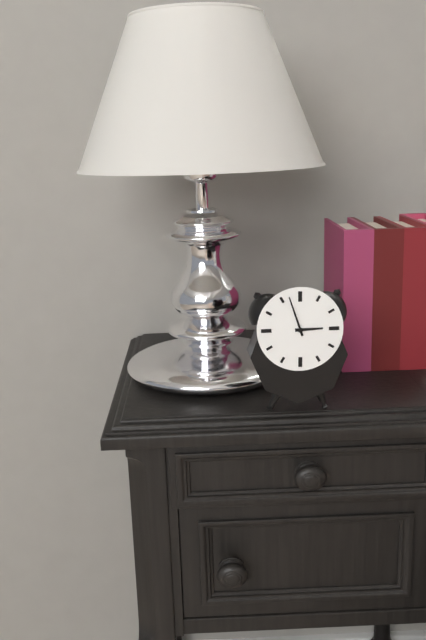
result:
2,57
